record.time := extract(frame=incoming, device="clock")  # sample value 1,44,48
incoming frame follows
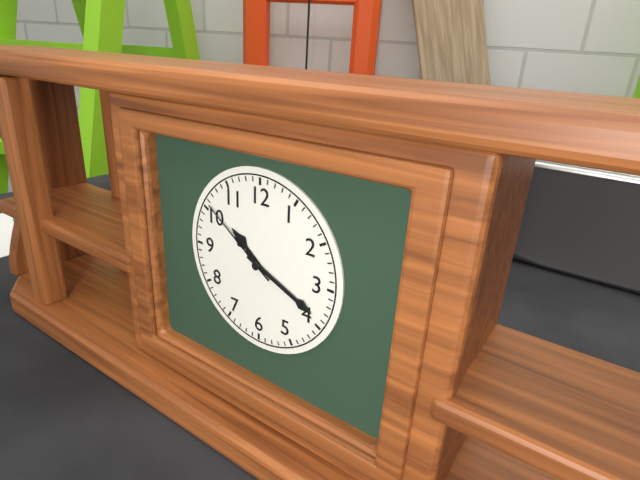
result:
10,19,51
